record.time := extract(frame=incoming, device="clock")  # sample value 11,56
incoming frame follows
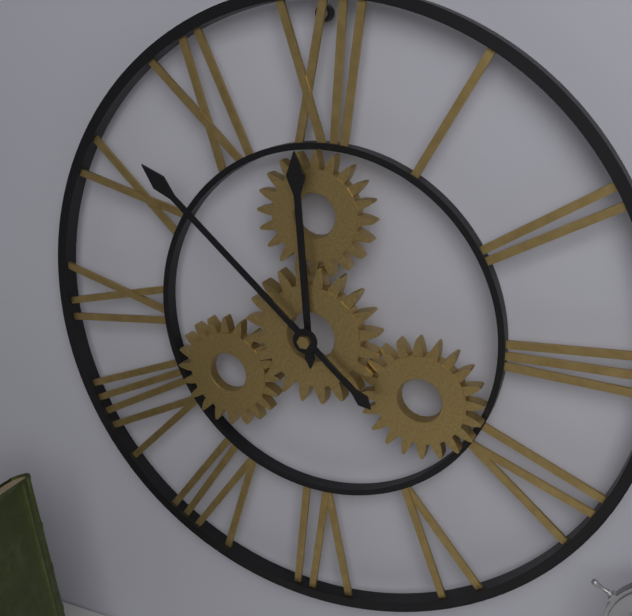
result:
11,52
